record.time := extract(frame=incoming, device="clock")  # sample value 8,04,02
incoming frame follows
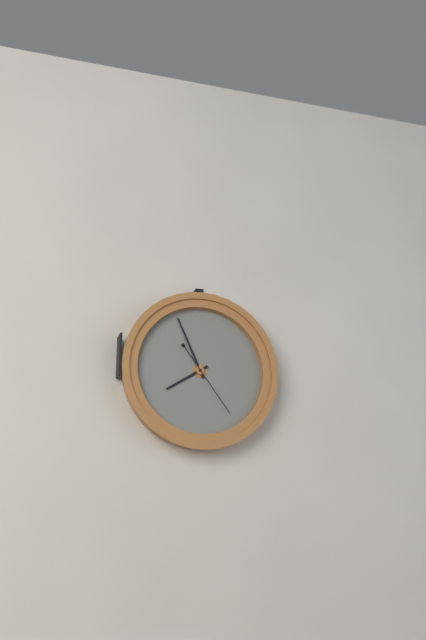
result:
7,56,24
